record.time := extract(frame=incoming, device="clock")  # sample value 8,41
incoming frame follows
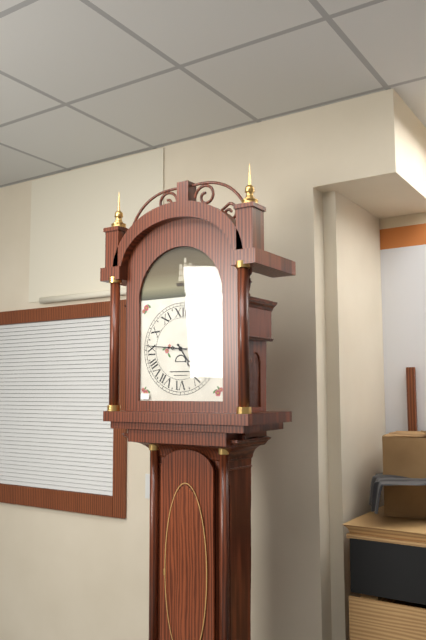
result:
4,46
